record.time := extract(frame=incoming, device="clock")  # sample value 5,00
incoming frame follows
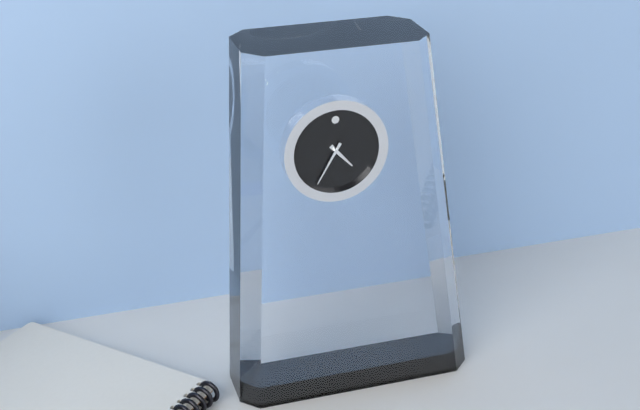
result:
4,35
